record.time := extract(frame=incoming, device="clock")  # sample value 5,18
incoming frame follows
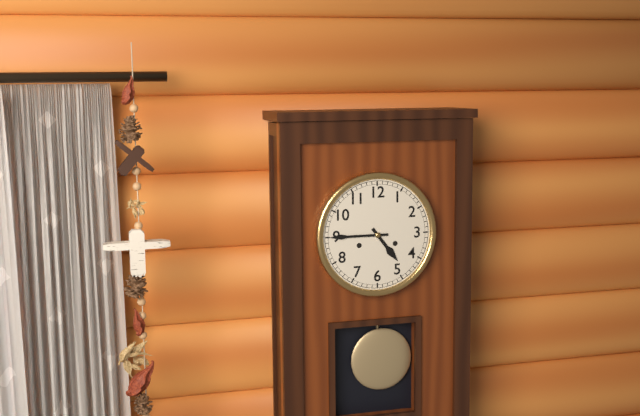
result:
4,45
